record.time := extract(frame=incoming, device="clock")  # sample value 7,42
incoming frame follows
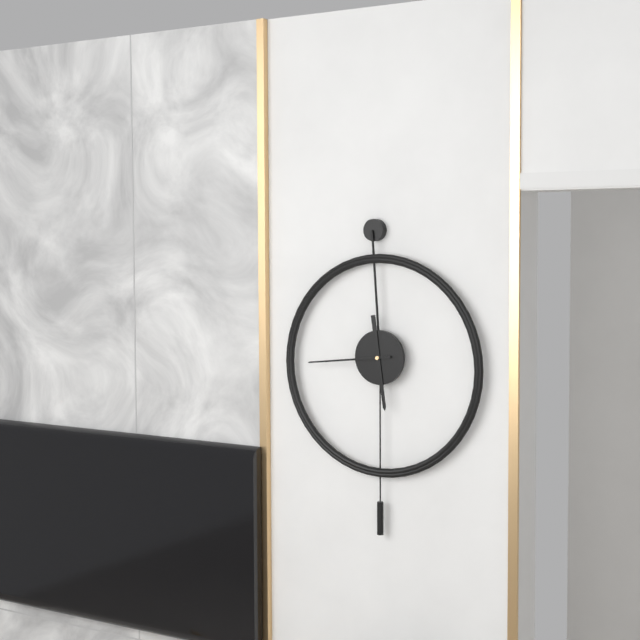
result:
5,44
